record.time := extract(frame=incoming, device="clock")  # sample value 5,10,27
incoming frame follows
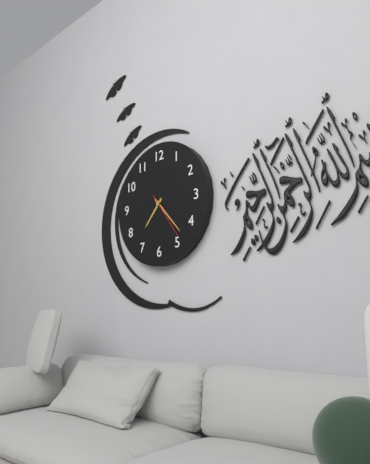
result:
7,23,24
